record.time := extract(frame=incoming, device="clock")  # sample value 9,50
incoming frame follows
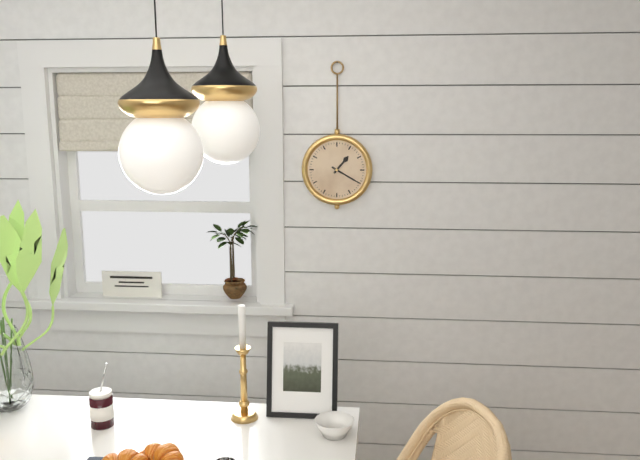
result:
1,20
